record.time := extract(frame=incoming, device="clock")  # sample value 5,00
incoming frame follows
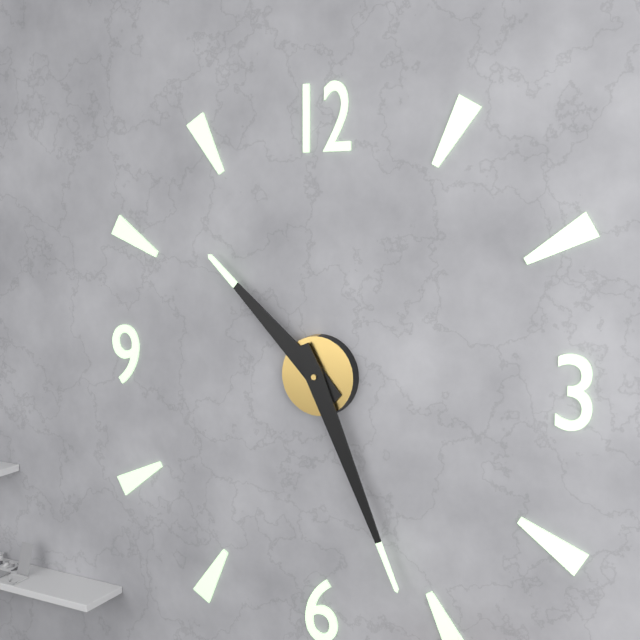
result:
10,26
